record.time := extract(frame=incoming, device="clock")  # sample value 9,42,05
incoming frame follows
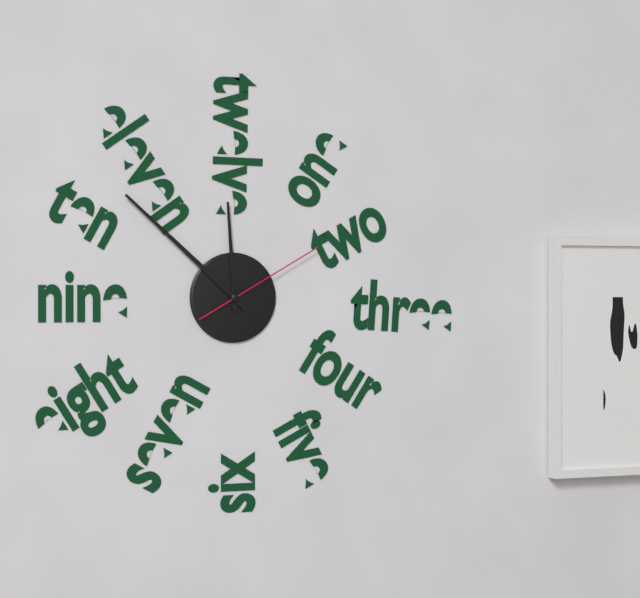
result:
11,52,10
